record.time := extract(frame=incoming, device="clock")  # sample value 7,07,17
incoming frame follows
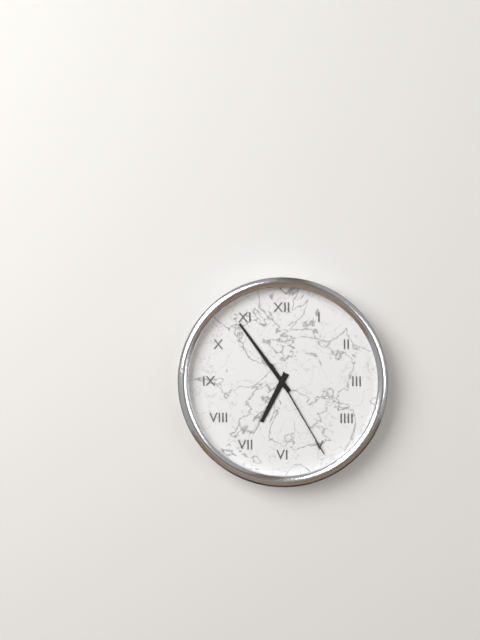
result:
6,54,25
